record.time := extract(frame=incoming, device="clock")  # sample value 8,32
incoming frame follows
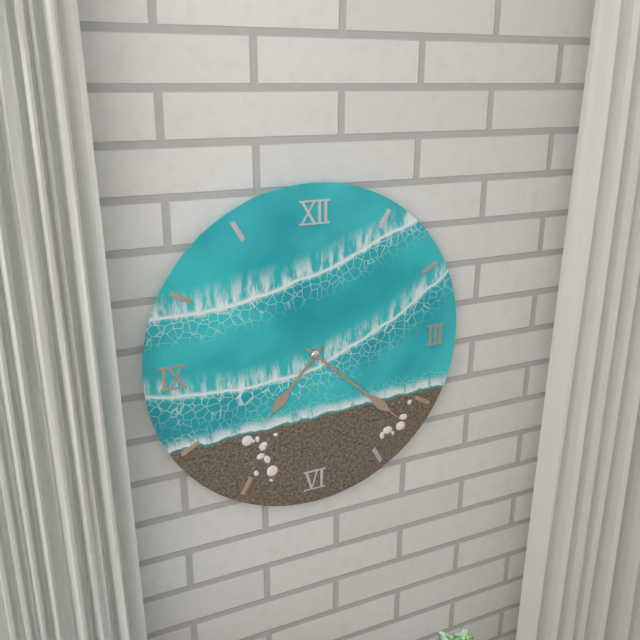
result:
7,22
